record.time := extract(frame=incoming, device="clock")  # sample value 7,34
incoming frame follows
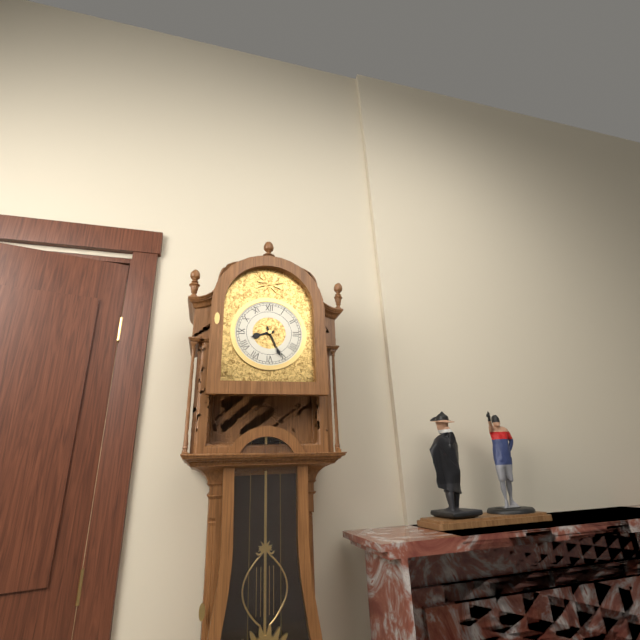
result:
8,26
